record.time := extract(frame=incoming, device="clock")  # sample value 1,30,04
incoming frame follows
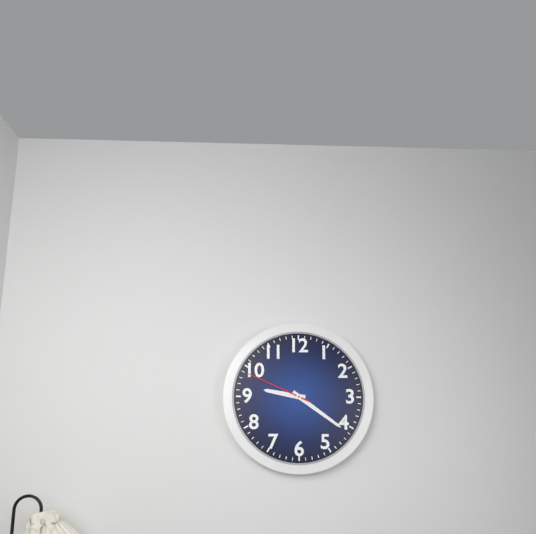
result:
9,21,49
